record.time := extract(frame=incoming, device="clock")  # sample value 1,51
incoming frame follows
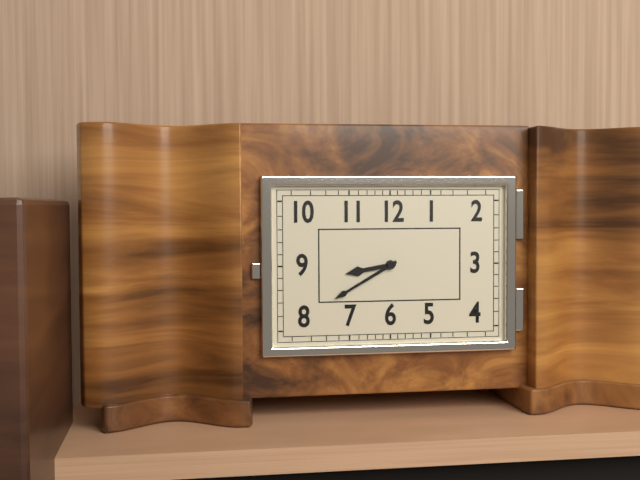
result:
8,40
